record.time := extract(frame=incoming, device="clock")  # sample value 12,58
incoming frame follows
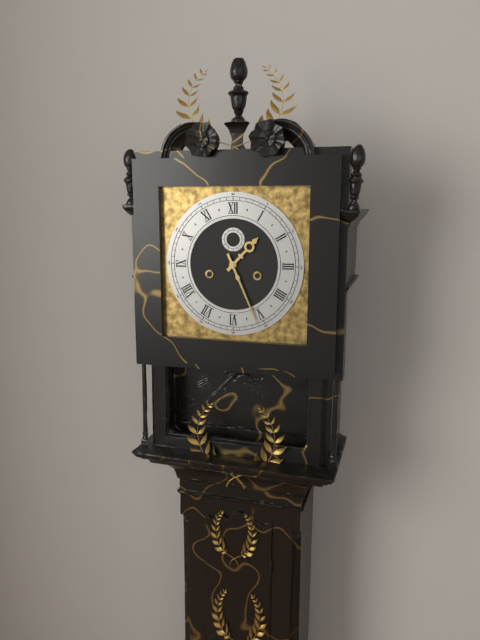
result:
1,26
